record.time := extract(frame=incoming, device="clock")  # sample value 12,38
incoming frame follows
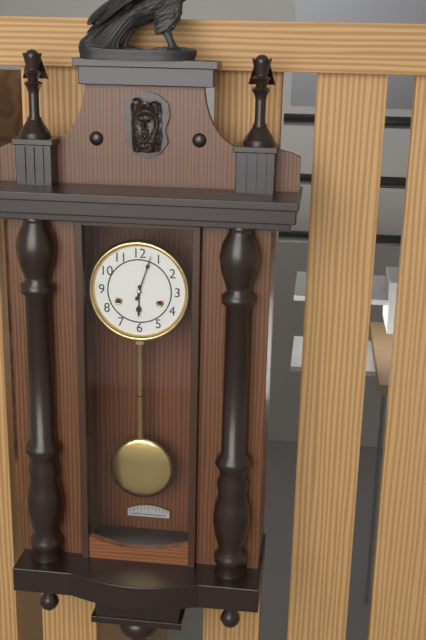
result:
6,03
